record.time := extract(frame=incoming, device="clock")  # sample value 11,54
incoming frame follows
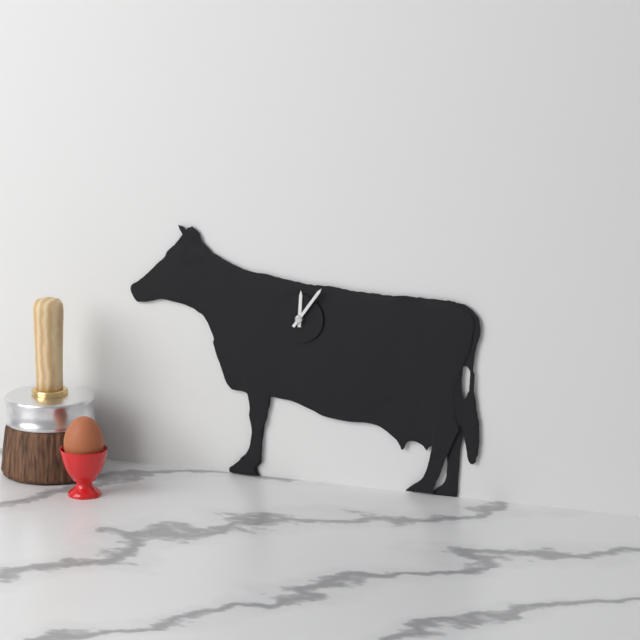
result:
12,06
